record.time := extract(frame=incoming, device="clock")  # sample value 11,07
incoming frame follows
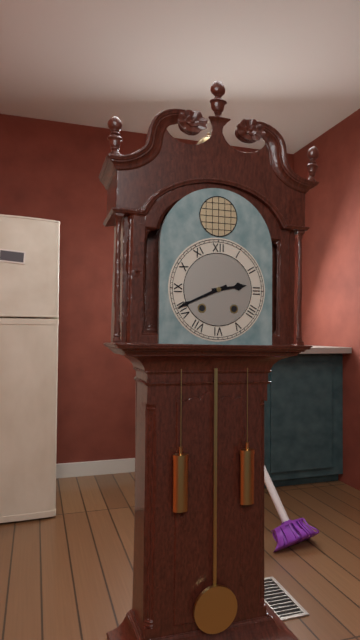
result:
2,41
